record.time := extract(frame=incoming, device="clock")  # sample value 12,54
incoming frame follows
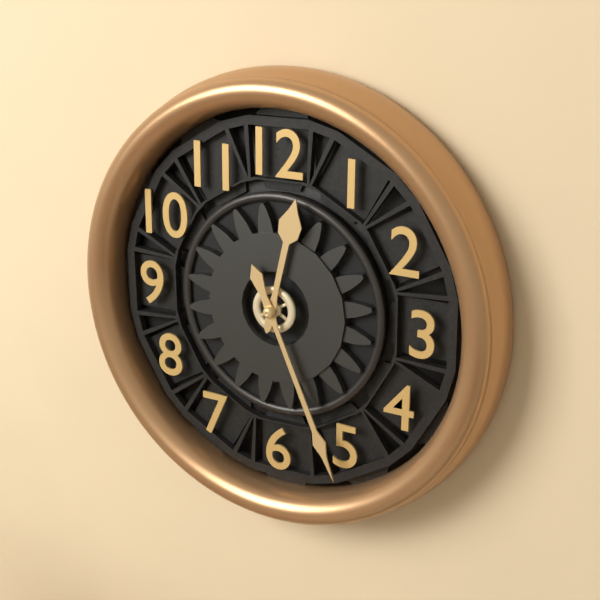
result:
12,26
